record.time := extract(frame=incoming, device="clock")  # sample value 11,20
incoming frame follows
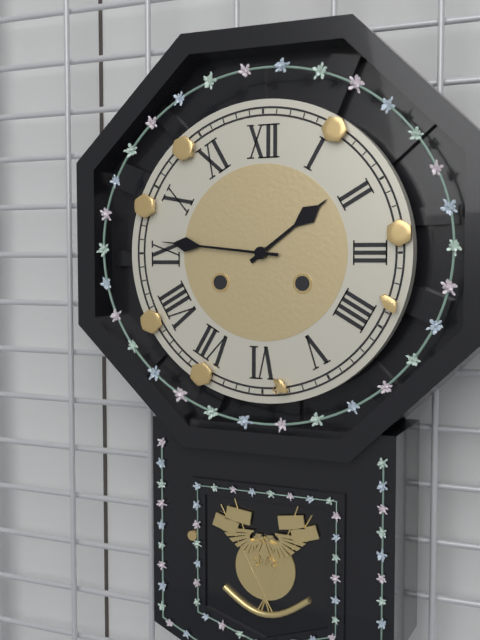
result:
1,46
